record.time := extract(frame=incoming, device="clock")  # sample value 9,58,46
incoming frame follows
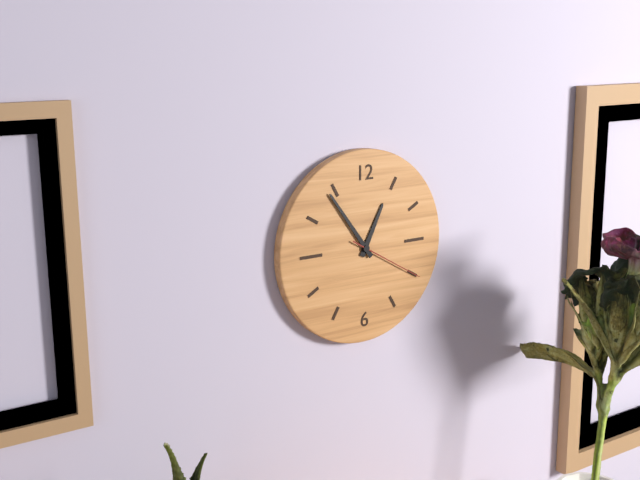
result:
12,54,20
